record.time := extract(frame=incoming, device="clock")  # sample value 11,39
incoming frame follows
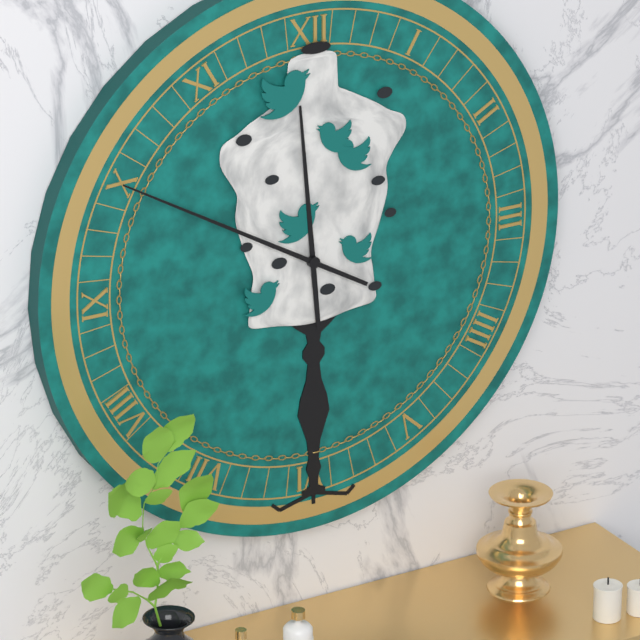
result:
11,50
